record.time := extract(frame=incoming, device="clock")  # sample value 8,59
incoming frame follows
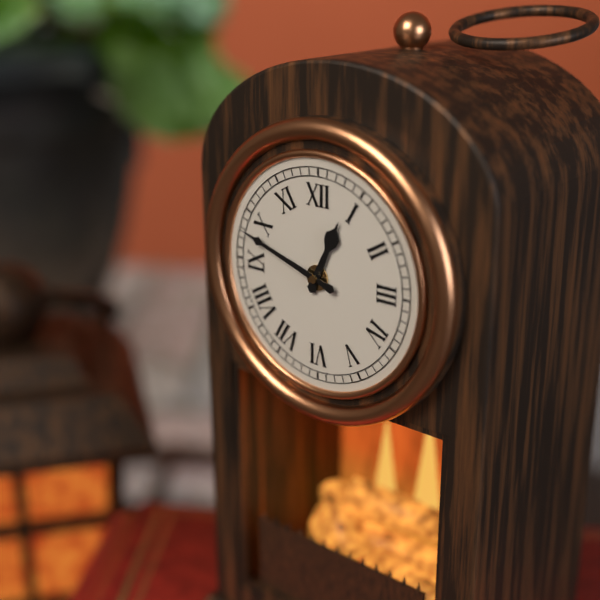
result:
12,48
